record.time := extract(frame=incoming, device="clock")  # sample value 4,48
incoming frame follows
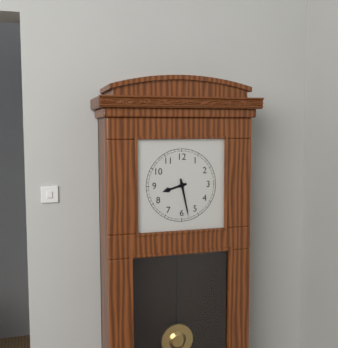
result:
8,28
